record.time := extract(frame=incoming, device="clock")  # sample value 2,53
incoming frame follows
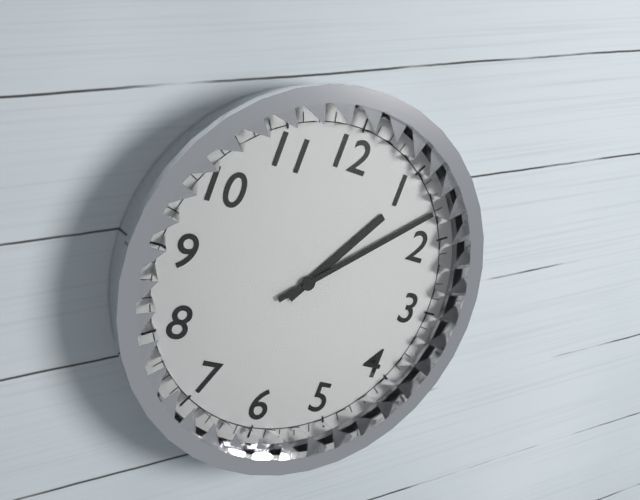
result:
1,08
